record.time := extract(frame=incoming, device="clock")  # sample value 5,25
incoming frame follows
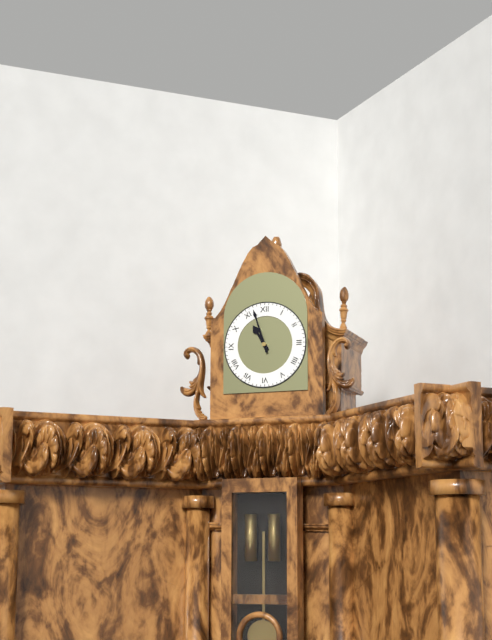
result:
10,57
